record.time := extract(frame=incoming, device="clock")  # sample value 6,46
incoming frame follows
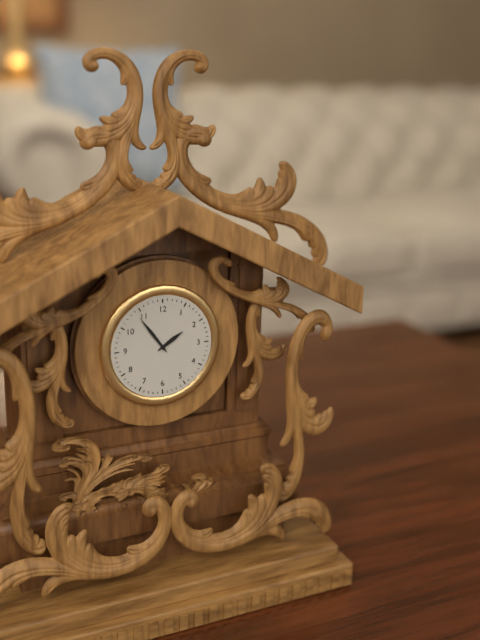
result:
1,54
